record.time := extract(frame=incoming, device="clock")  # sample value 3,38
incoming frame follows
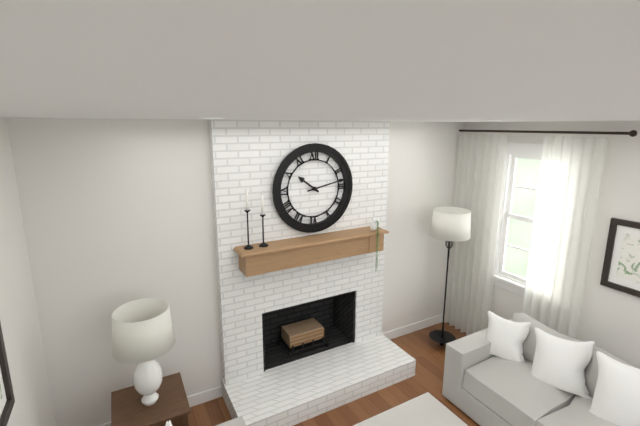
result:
10,13
